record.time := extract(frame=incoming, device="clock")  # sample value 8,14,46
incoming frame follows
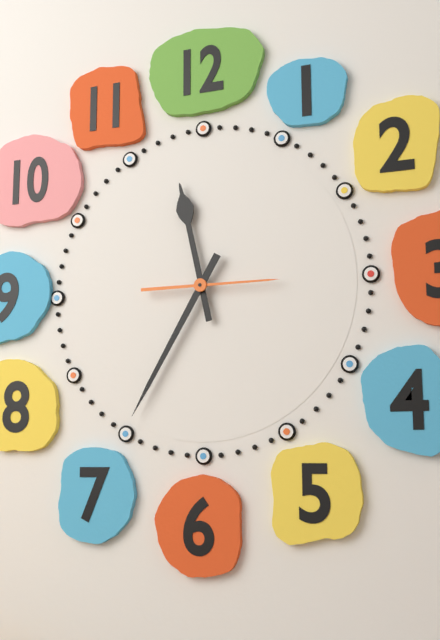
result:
11,35,15
